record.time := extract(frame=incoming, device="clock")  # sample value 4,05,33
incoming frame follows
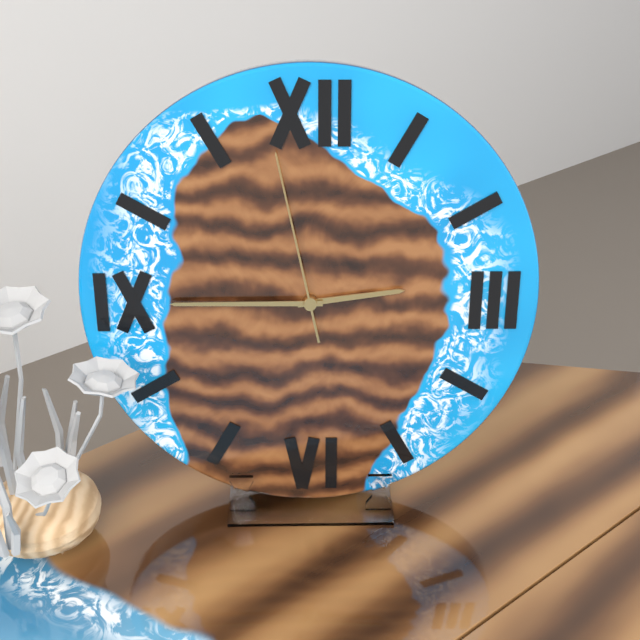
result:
2,45,58
